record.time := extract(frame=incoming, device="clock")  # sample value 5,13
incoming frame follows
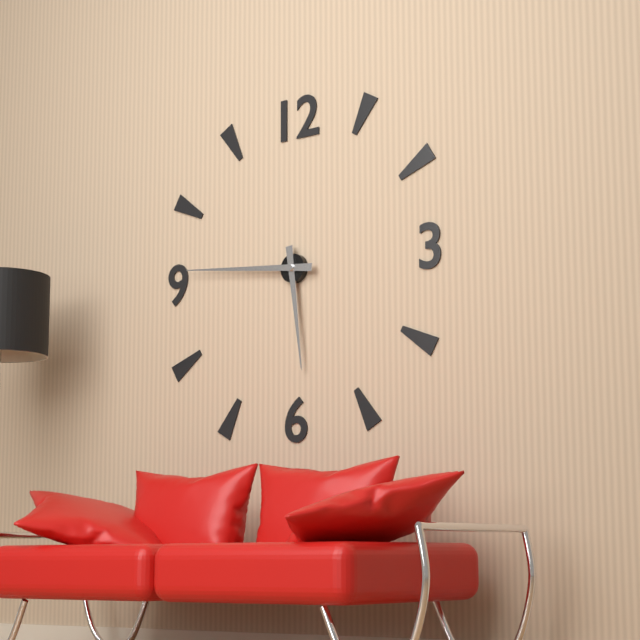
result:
5,46
